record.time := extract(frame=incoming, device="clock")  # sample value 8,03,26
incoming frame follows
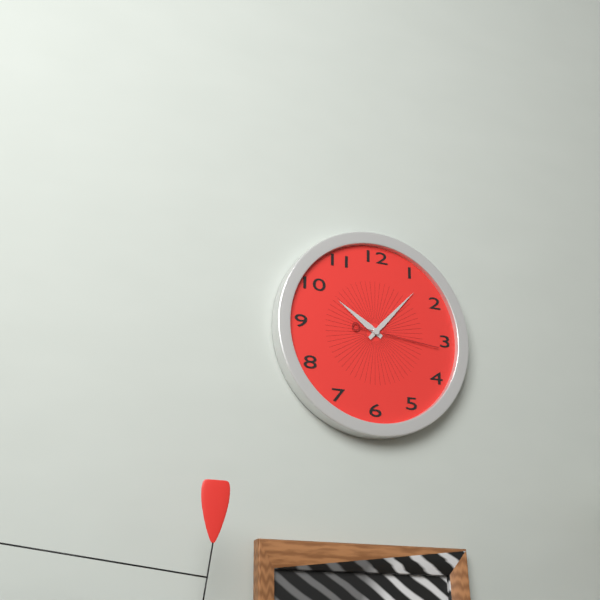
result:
10,07,16
